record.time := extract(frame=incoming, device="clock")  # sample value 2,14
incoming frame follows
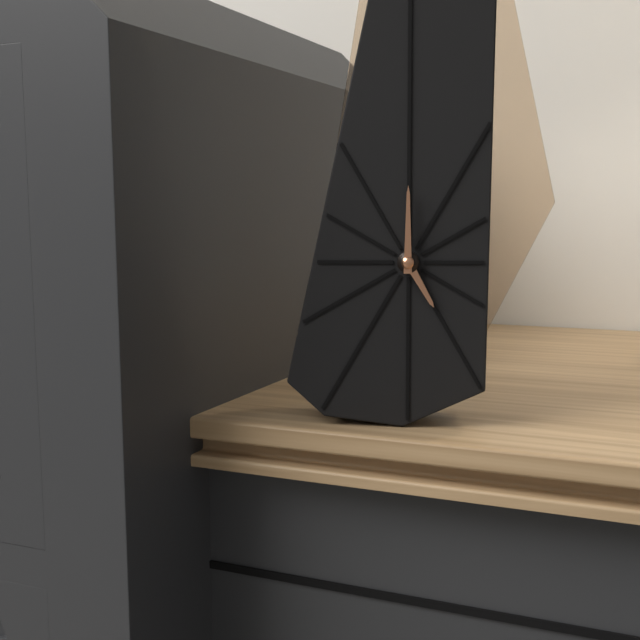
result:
5,00
